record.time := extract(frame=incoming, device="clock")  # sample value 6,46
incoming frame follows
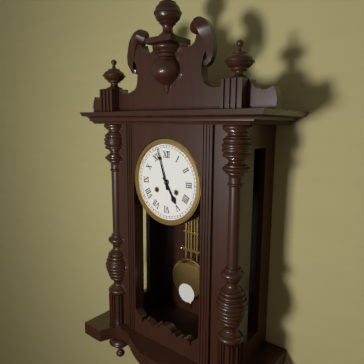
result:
4,57
